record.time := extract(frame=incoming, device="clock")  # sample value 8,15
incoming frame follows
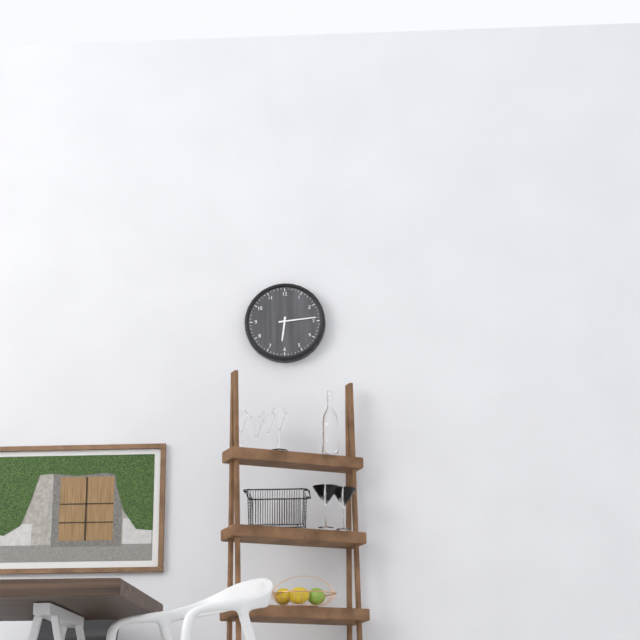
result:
6,14
